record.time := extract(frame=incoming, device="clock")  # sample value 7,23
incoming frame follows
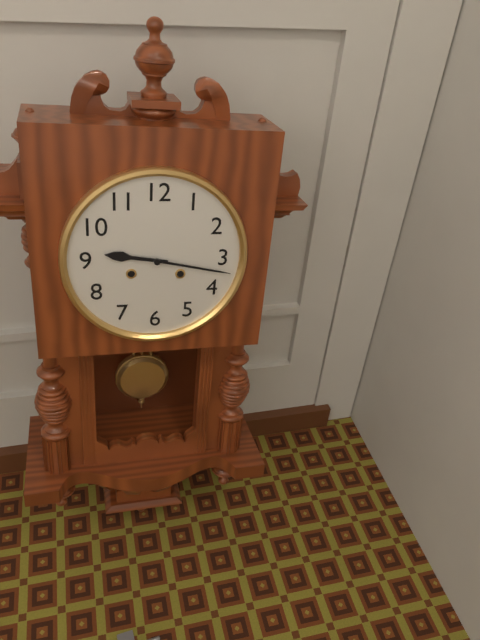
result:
9,17
